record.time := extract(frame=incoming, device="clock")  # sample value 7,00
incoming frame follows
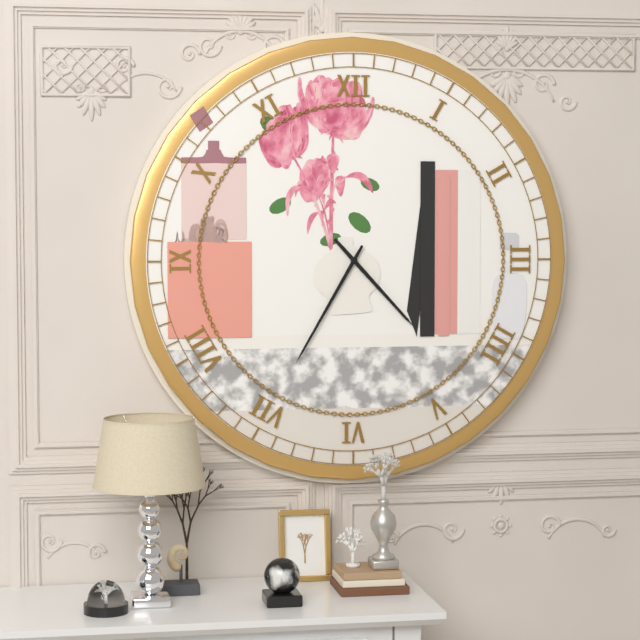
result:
4,35
